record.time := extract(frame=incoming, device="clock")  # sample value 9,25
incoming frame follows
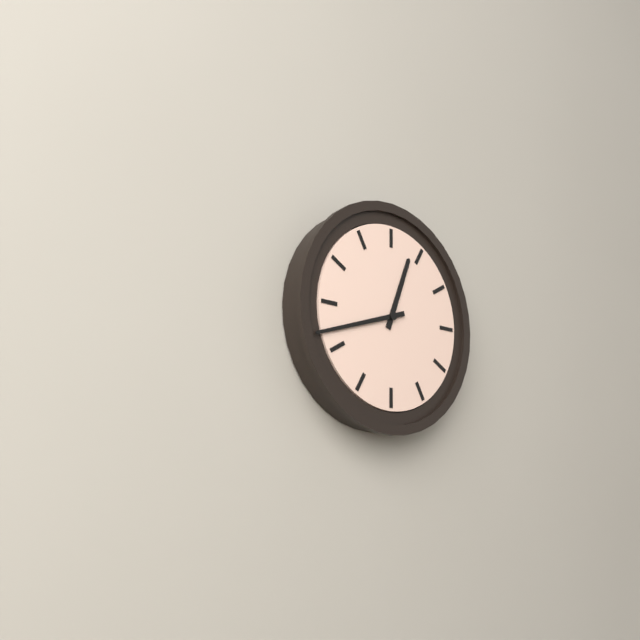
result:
12,42
